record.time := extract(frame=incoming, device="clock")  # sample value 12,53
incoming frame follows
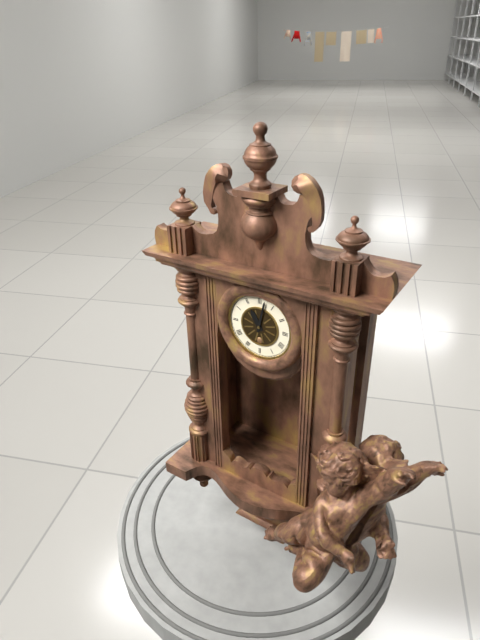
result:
11,02
